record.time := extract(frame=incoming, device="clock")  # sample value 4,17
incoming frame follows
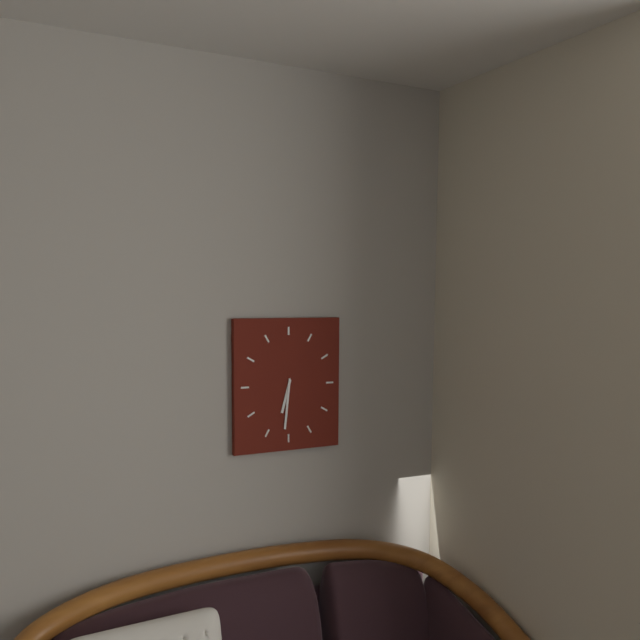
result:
6,31
